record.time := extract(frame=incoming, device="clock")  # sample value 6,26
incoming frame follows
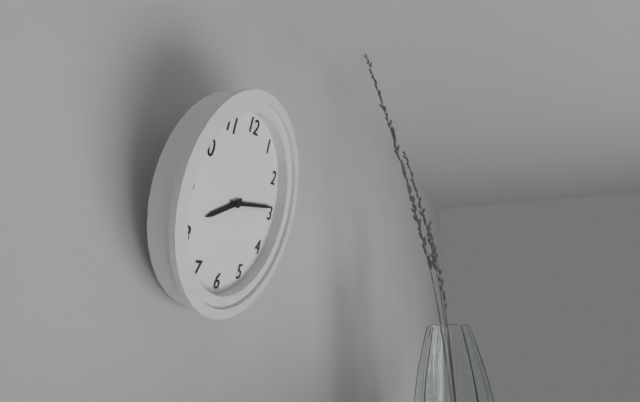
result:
8,14
